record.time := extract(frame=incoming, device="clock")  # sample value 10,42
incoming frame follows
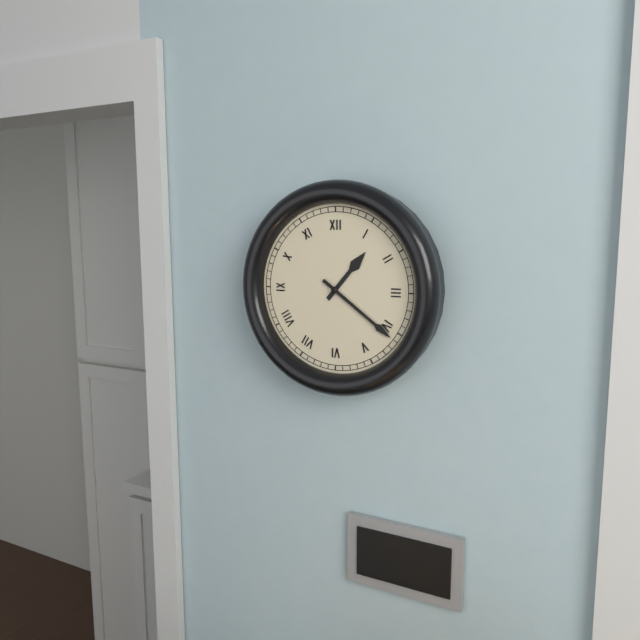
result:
1,21
